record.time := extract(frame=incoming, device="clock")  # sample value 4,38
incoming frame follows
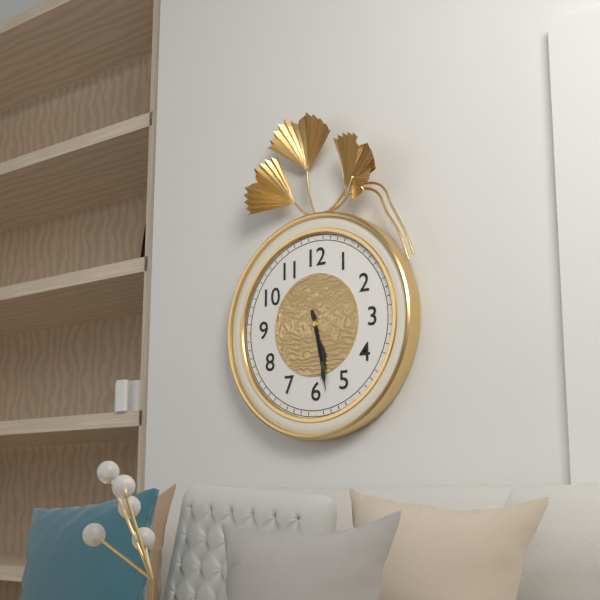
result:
5,28
